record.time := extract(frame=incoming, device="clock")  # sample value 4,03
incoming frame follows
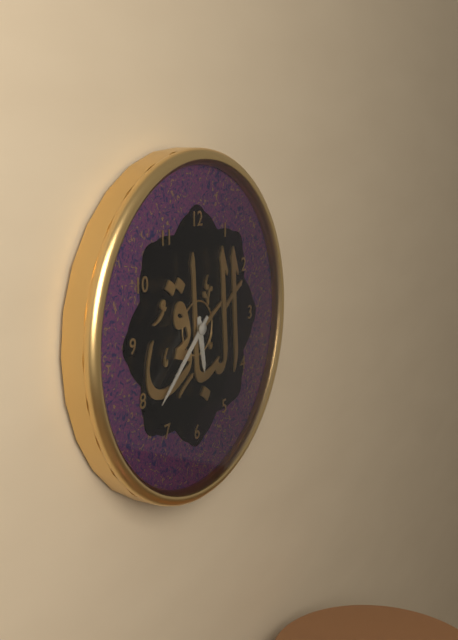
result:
5,38
